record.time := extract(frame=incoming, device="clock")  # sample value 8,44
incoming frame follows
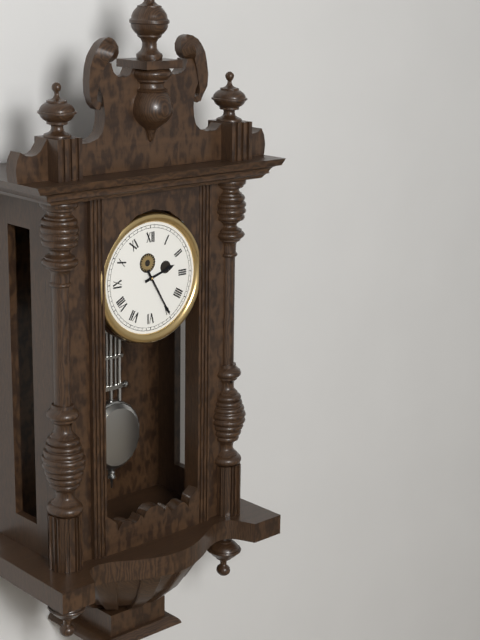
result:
2,25
